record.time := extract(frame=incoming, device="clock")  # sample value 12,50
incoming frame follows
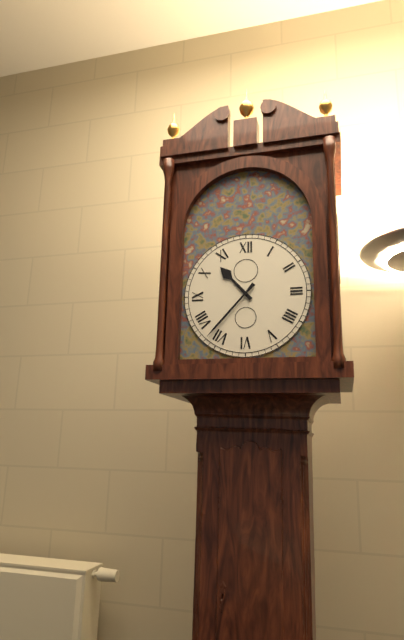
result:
10,37
